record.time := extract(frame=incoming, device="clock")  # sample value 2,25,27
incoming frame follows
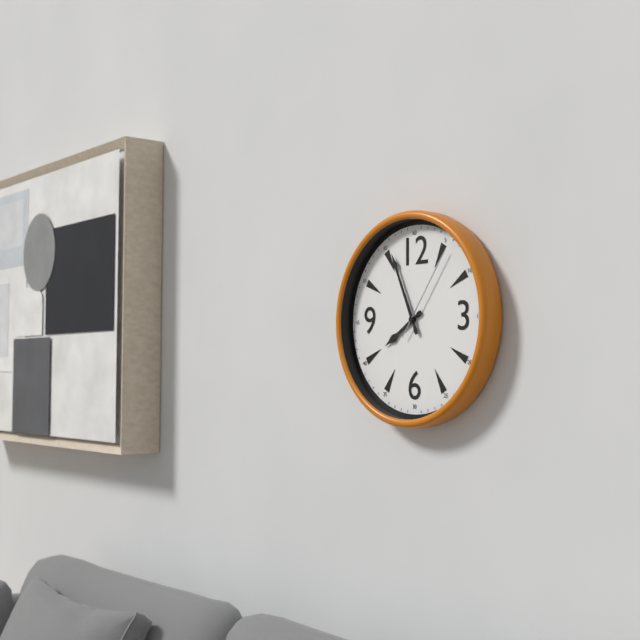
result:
7,56,06
